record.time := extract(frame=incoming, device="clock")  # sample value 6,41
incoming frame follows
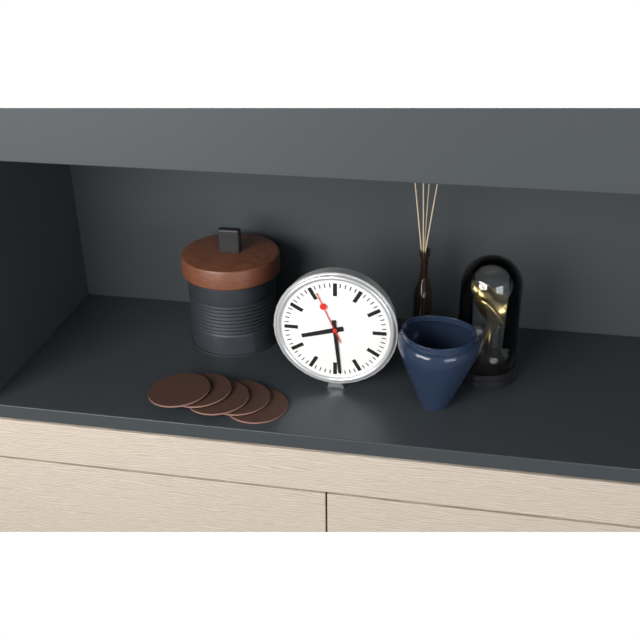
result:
8,29
